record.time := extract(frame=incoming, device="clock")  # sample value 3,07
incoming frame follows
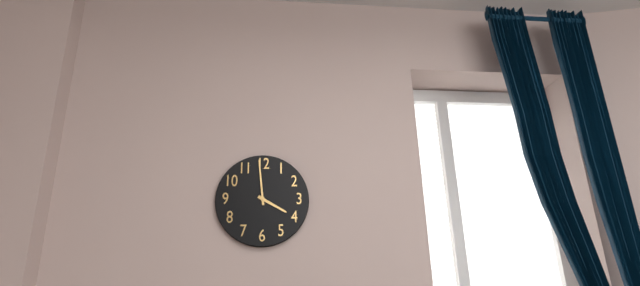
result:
3,59
